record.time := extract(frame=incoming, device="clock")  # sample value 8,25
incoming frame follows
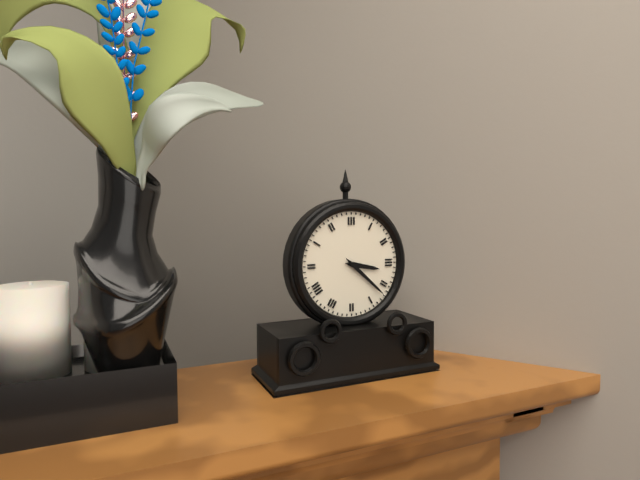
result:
3,22
